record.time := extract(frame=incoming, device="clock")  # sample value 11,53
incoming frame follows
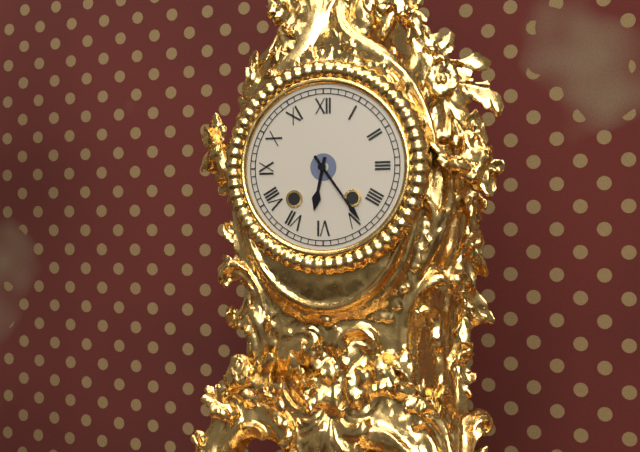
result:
6,24
